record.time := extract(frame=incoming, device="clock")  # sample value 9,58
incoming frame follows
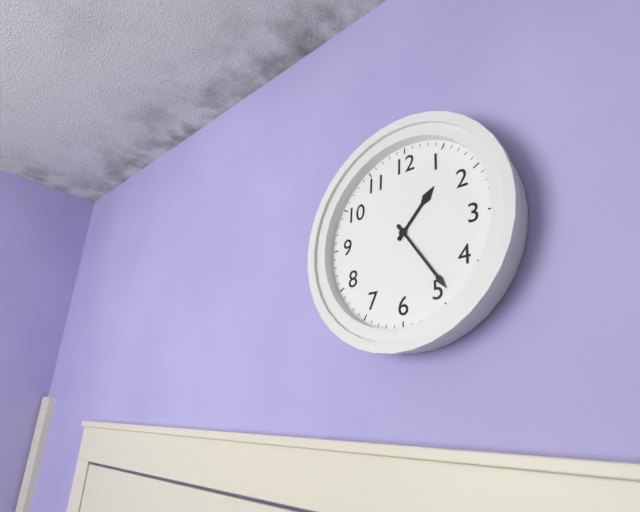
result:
1,24
